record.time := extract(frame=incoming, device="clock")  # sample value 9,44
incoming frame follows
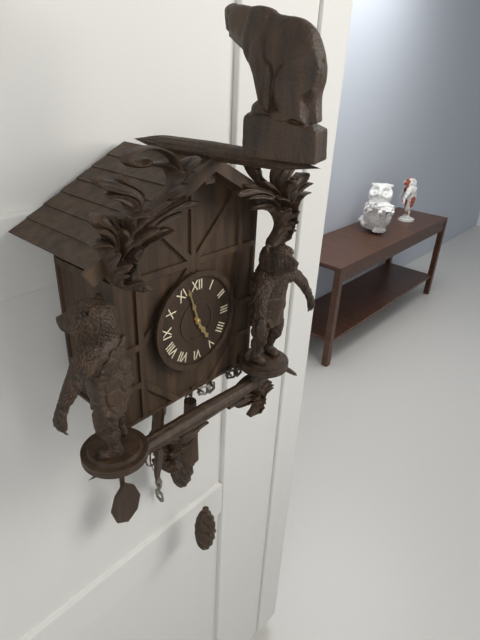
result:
4,57
